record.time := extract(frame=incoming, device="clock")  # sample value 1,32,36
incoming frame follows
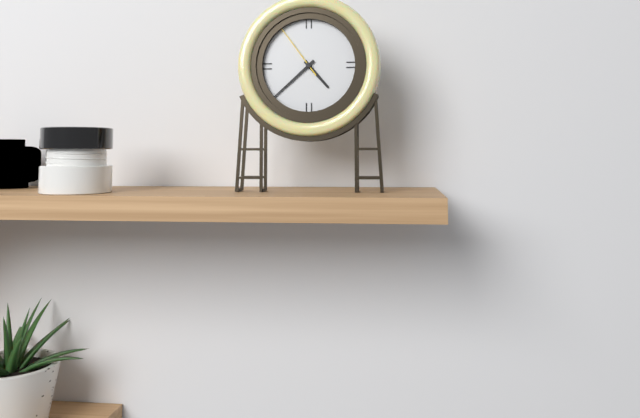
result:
4,38,54
